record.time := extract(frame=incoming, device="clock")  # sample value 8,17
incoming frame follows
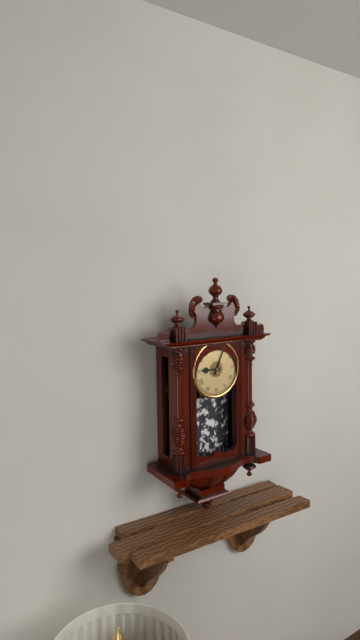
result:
9,04
